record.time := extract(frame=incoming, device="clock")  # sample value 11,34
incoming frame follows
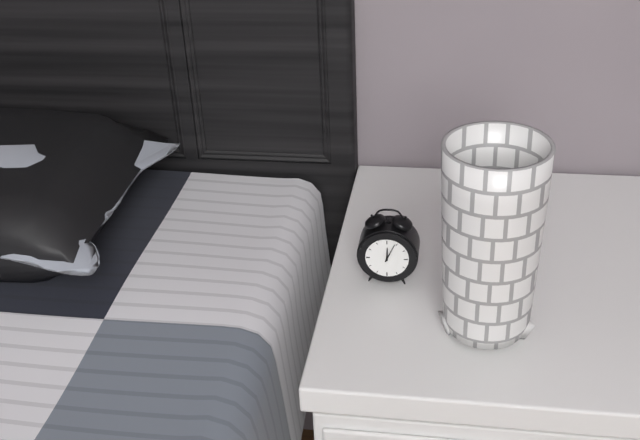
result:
12,04
